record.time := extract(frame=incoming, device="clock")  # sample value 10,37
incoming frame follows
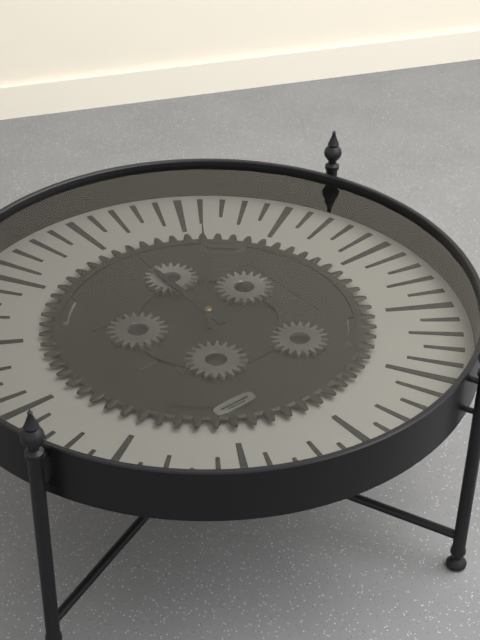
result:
12,06
